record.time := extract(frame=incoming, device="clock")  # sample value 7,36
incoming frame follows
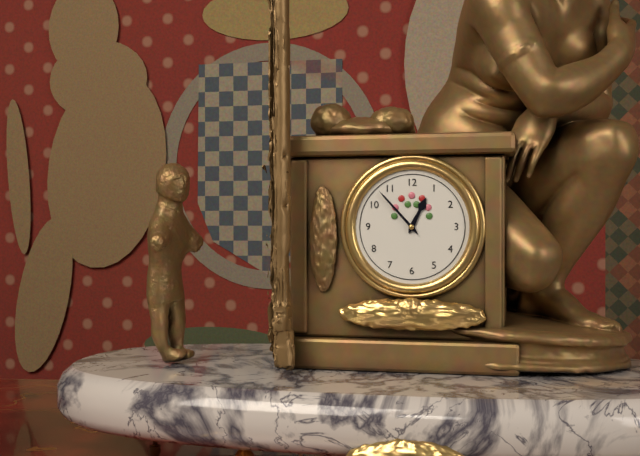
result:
12,53
